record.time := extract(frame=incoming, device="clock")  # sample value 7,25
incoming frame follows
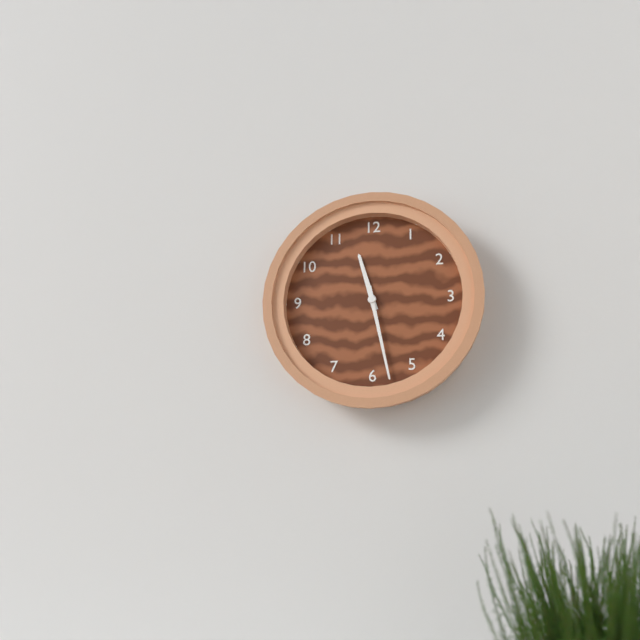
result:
11,28
